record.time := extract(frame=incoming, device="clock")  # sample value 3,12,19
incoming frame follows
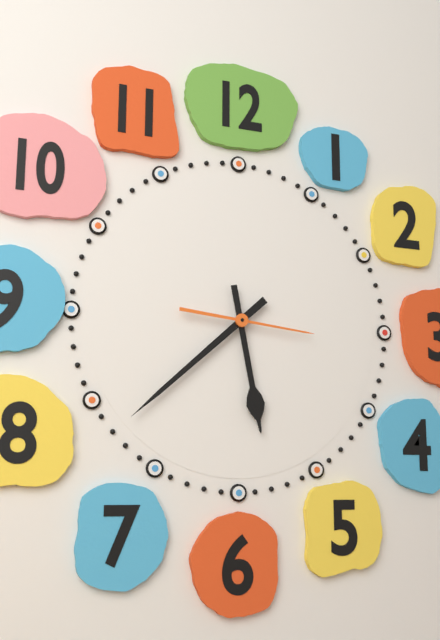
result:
5,38,16
